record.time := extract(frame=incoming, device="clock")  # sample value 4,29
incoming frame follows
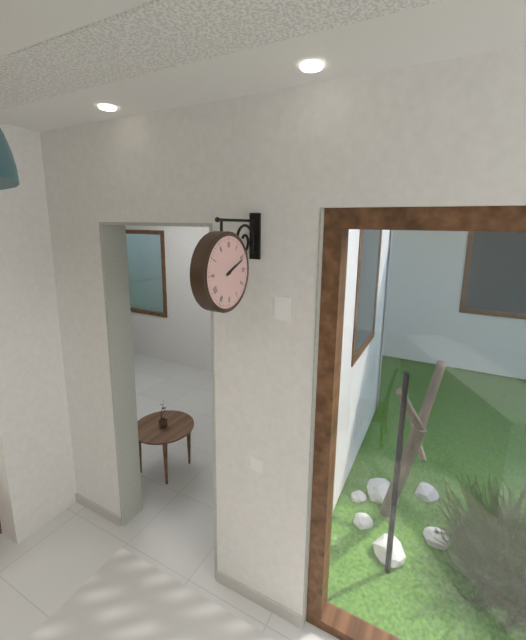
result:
2,11
